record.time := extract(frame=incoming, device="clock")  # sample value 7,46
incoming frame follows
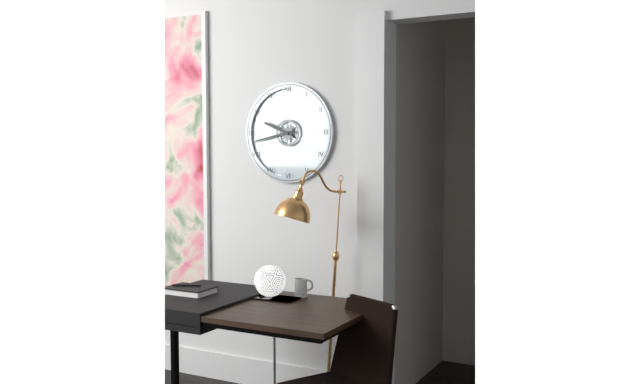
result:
9,43
